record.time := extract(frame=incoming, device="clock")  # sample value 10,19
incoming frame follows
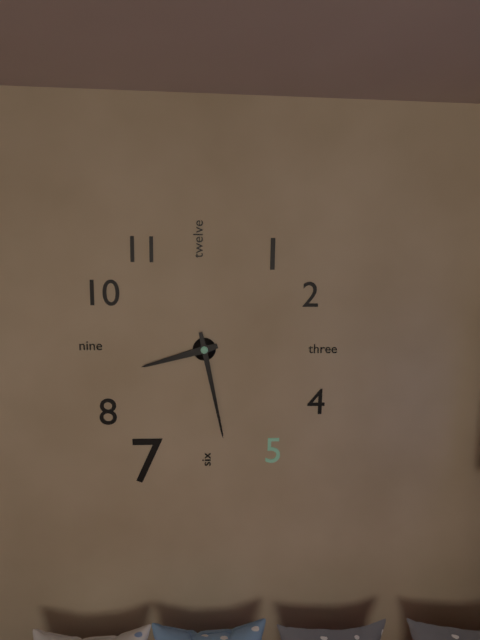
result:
8,28
